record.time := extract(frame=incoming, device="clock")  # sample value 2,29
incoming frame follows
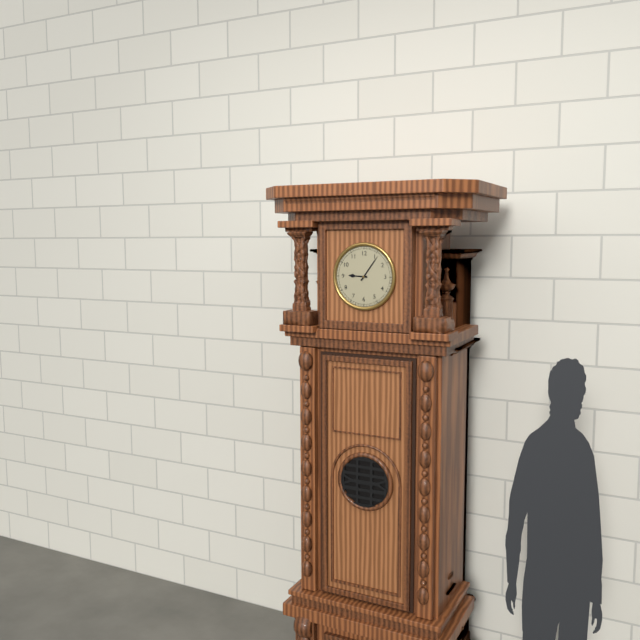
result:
9,06
